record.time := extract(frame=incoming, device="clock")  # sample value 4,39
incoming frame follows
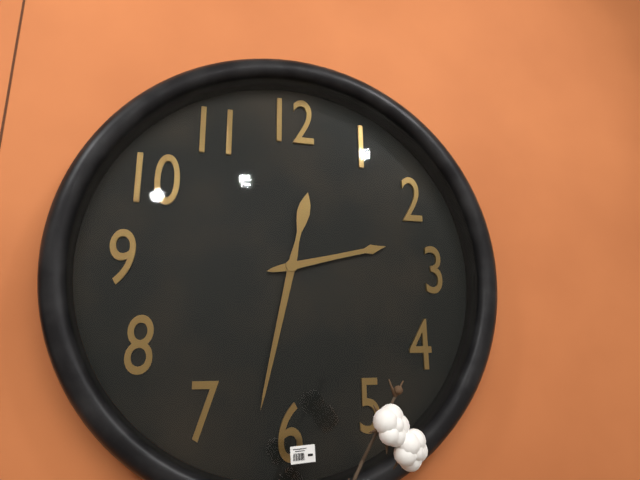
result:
2,32
